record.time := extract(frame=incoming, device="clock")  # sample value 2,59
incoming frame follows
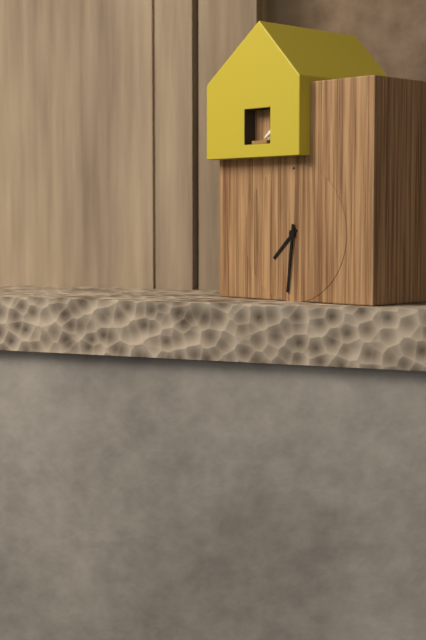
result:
7,31
